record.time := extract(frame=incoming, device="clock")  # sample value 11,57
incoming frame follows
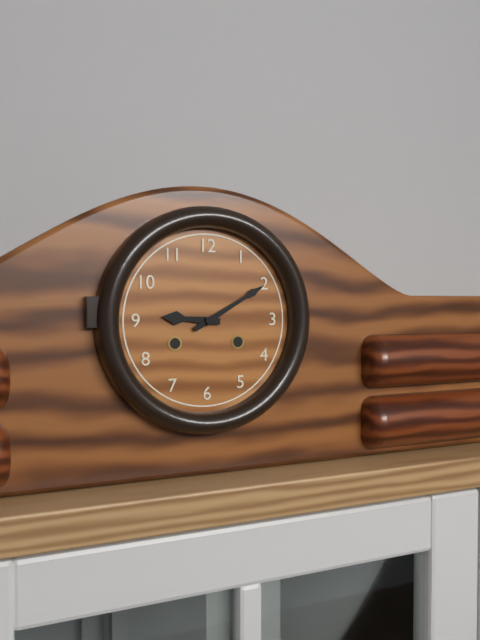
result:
9,10
